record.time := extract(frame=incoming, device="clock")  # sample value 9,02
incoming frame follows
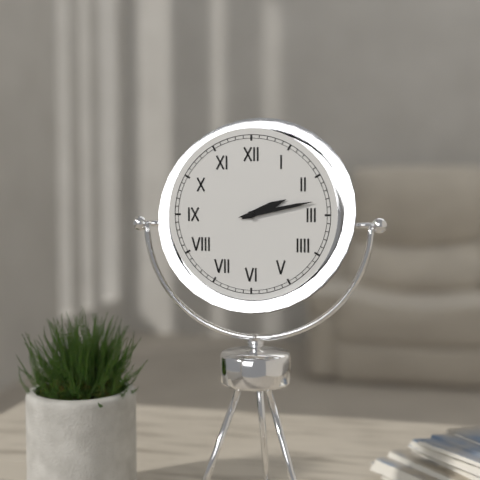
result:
2,13
